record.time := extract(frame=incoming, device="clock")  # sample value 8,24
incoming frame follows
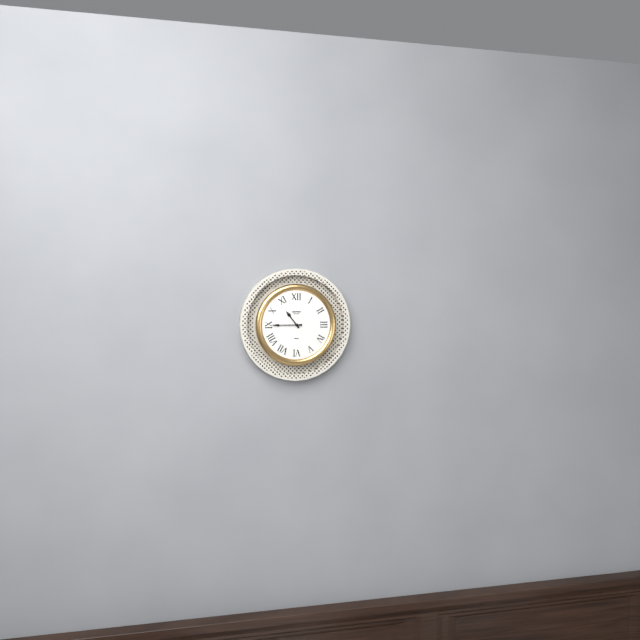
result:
10,45
